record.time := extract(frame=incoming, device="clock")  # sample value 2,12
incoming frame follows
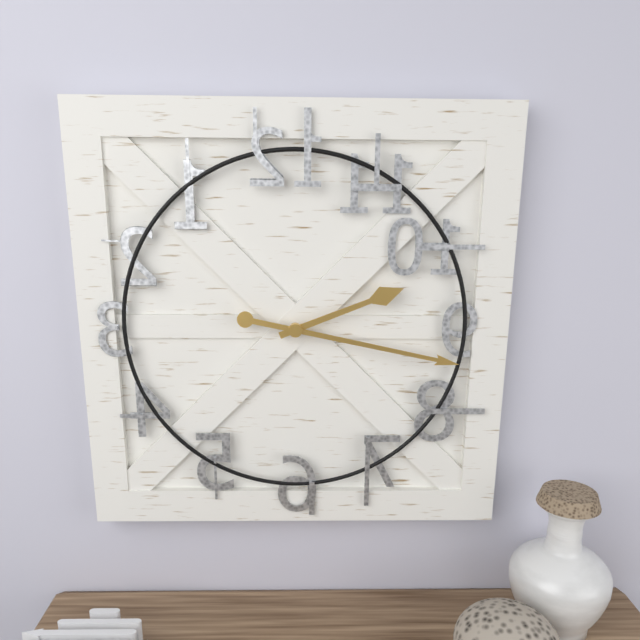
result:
2,17
